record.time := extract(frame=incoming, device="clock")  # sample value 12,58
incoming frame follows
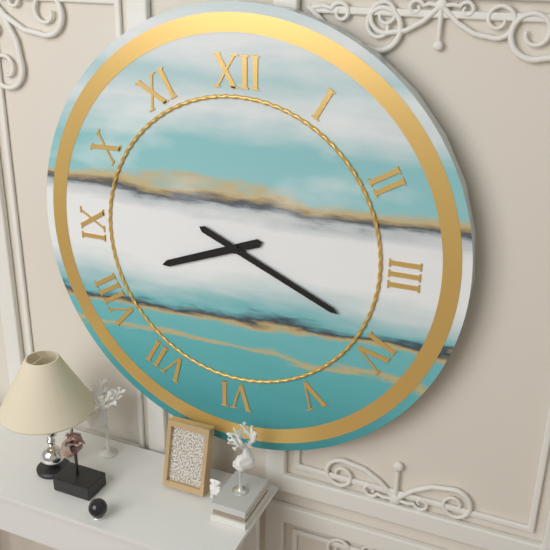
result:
8,19
